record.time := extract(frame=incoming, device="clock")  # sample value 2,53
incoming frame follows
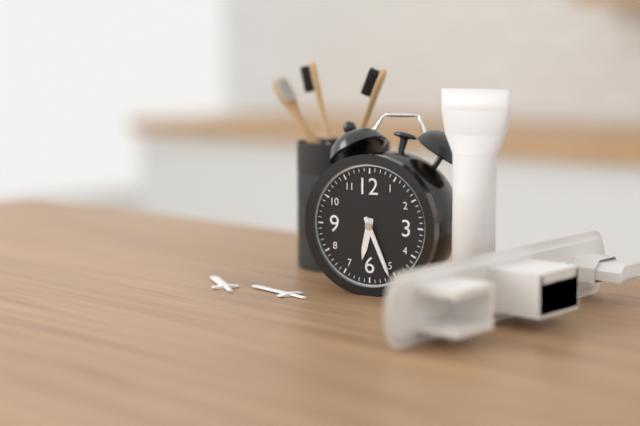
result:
6,26
